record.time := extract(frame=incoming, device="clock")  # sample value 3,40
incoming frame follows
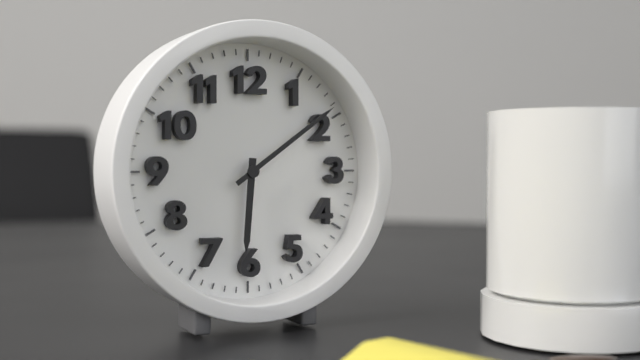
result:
6,09
